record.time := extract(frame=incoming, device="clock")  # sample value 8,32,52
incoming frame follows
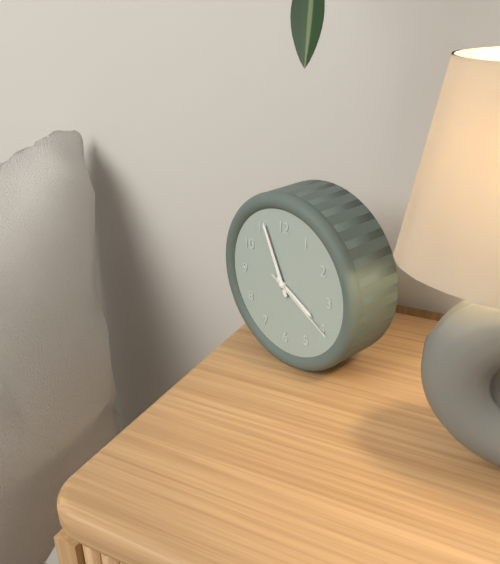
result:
3,56,20
